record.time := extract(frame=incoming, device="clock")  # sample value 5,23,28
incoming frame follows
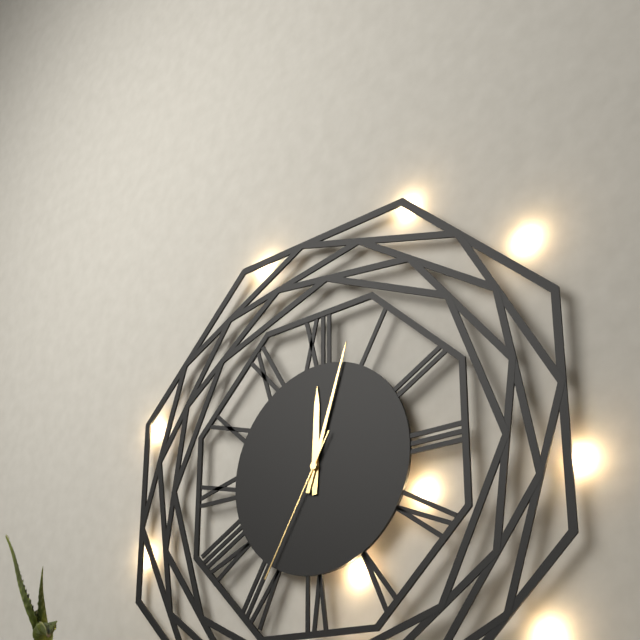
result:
12,03,35
